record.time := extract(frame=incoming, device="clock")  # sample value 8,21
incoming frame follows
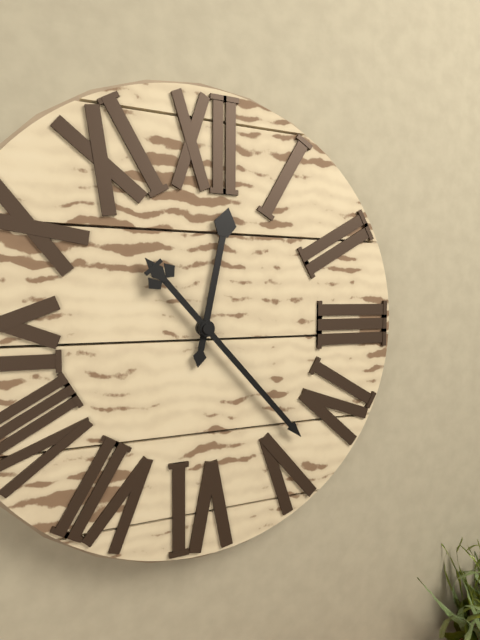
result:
12,23
